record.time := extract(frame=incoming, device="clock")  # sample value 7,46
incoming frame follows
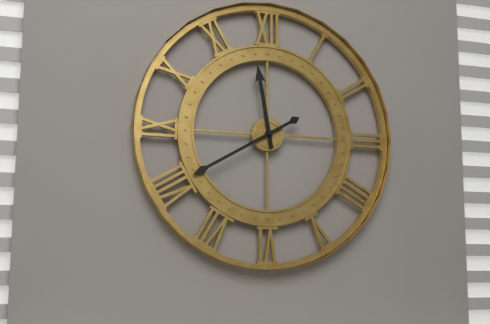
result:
11,40
